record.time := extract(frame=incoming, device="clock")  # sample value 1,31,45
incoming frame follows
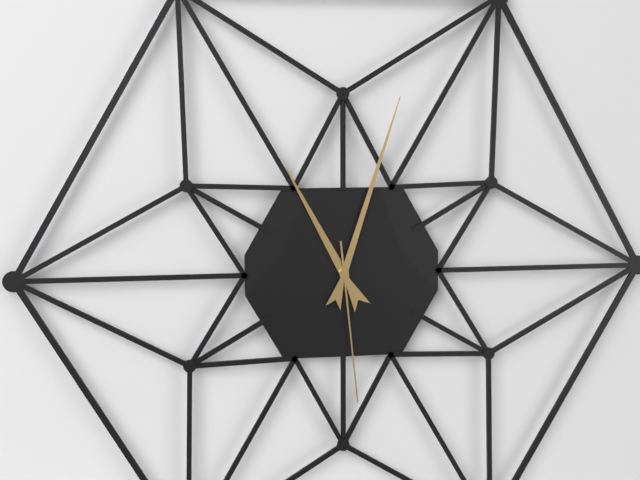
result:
11,03,29
